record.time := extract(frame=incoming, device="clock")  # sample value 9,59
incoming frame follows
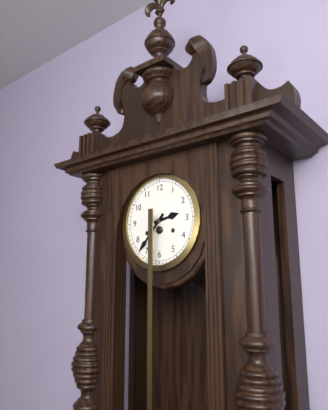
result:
2,37
